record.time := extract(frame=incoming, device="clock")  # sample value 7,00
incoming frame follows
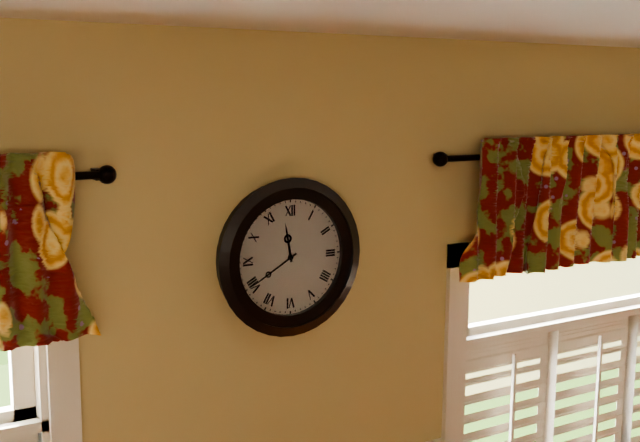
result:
11,40
